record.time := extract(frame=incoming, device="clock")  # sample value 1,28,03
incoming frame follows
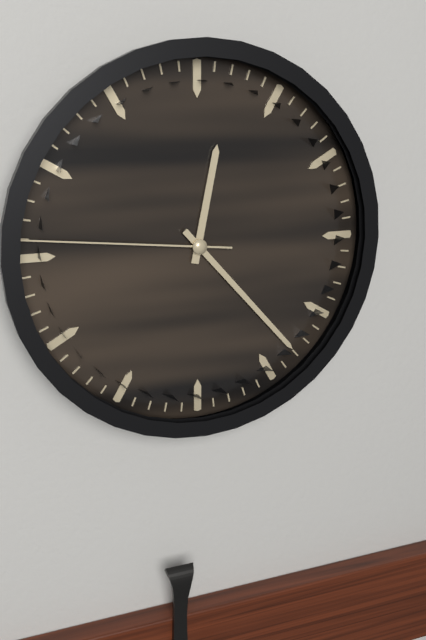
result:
12,23,46
